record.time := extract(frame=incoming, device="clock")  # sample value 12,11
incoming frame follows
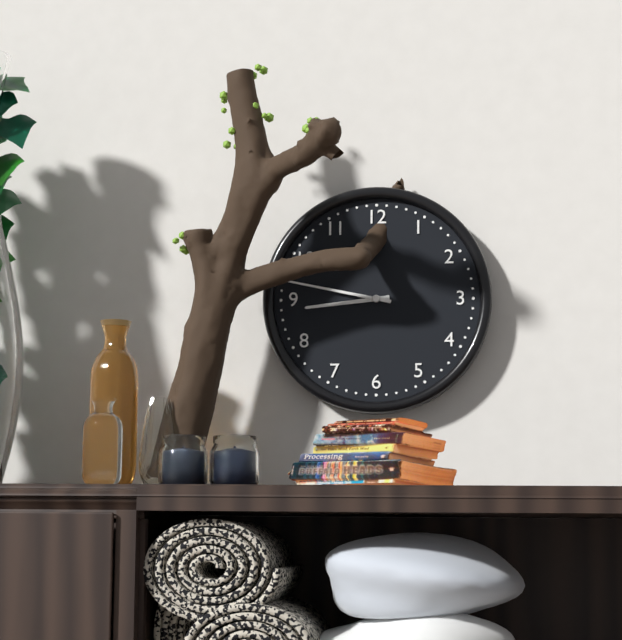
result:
8,47
